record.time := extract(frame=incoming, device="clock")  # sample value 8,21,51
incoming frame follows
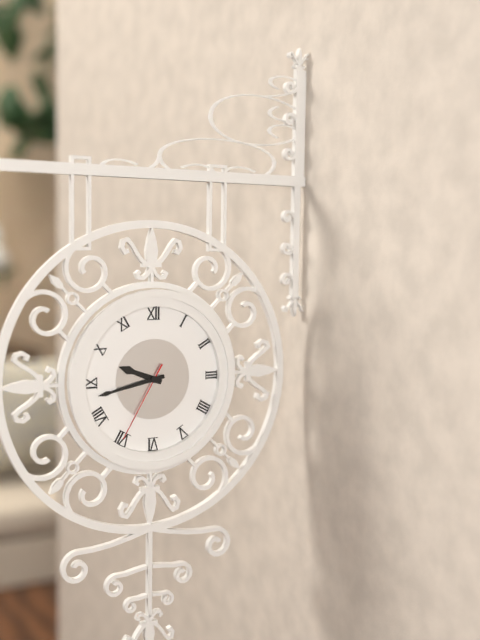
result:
9,43,35
